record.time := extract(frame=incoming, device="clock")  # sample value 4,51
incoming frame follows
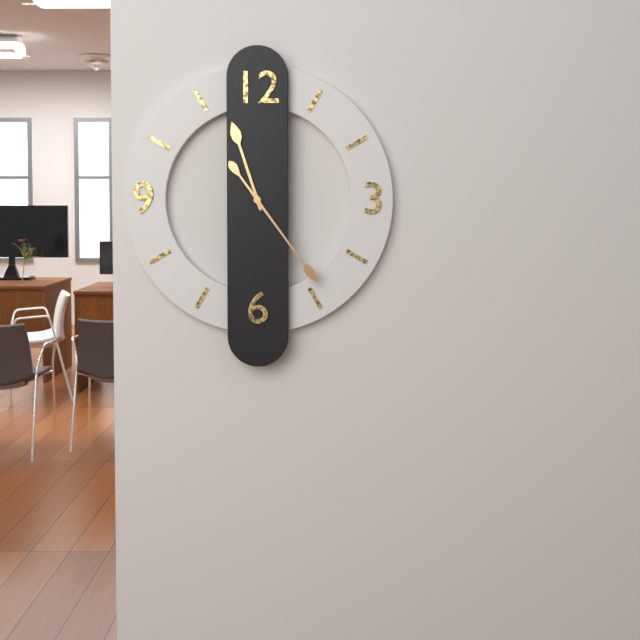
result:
11,24
